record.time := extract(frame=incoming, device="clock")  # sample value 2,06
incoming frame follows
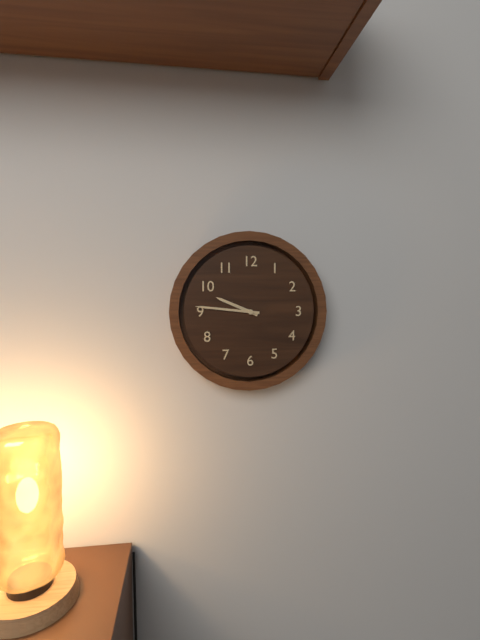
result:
9,46
